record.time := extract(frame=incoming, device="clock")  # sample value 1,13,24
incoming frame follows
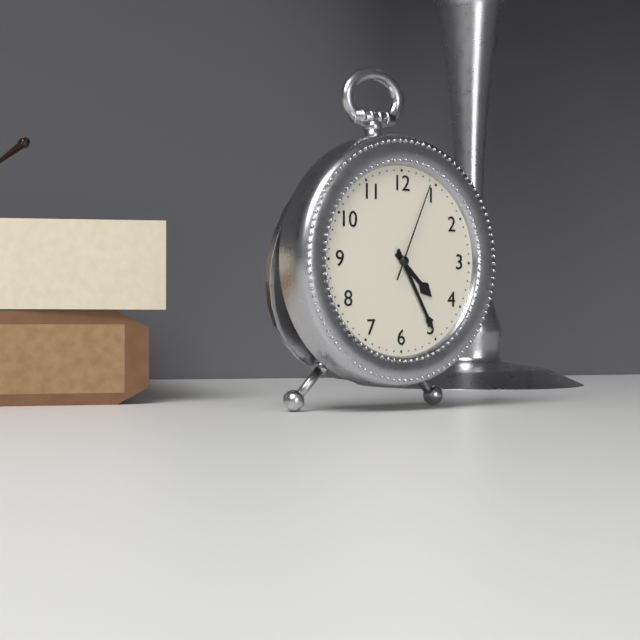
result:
4,25,04
